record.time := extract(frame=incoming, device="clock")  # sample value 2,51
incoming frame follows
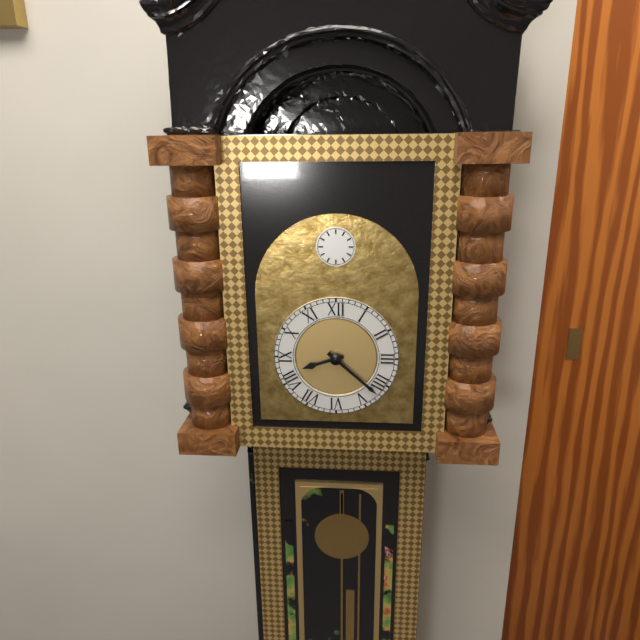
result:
8,22
